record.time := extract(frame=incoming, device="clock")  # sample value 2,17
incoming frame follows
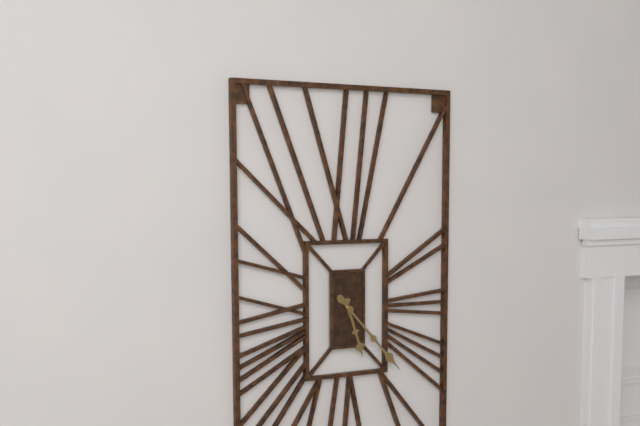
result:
5,23
